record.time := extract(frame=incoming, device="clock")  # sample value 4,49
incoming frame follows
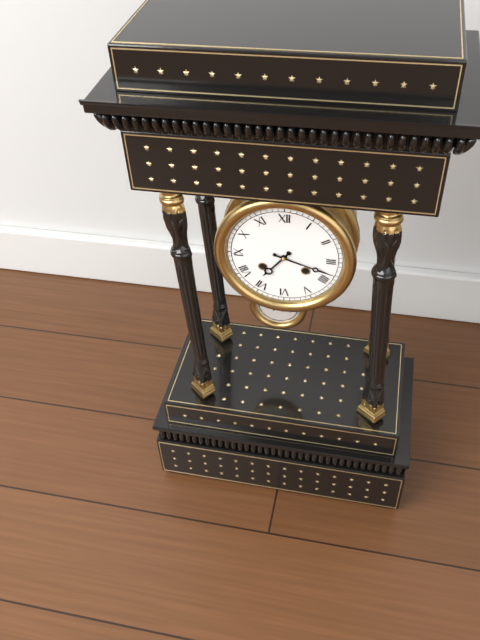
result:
7,18
